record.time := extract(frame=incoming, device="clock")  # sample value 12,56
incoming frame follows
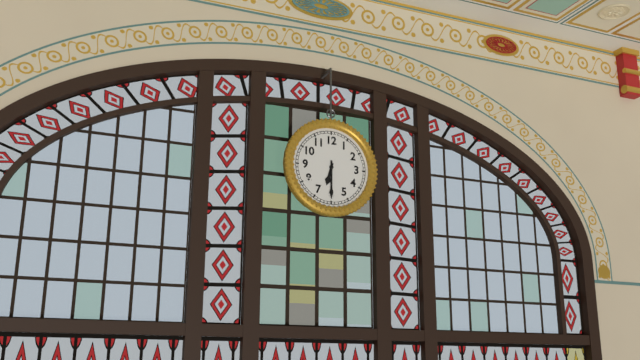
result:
6,30
